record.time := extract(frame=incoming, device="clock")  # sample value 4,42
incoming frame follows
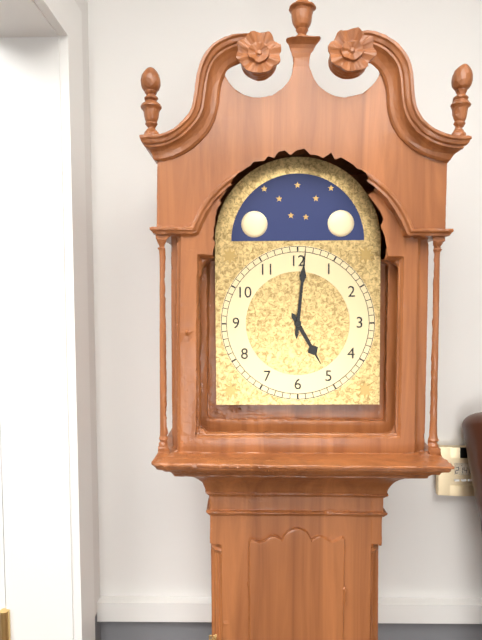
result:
5,01
